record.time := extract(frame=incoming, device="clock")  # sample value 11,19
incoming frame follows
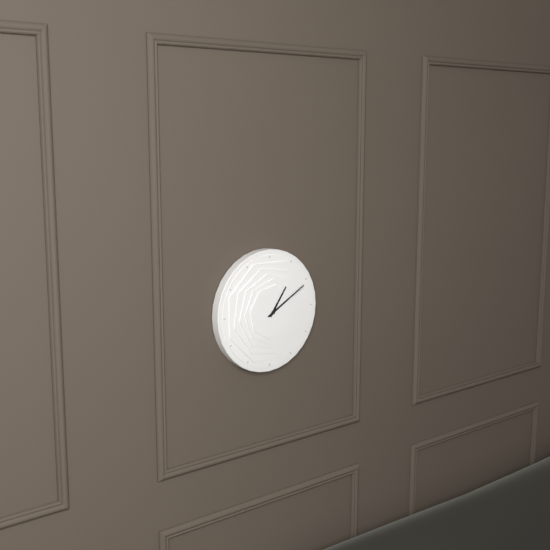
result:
1,10
